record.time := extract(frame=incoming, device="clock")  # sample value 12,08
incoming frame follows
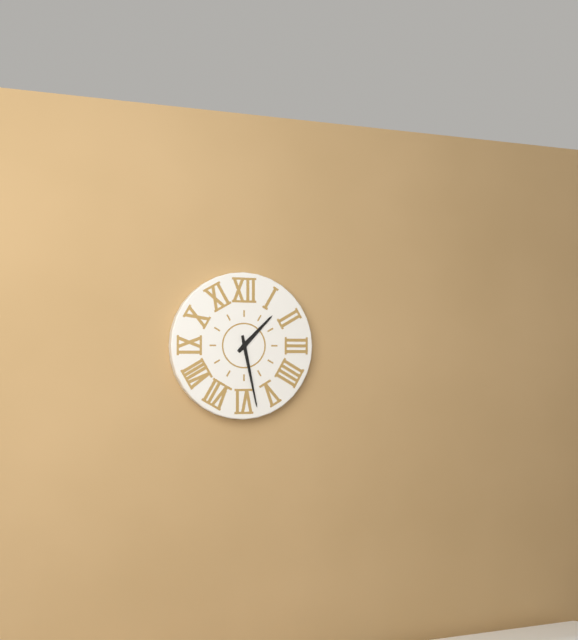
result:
1,28
